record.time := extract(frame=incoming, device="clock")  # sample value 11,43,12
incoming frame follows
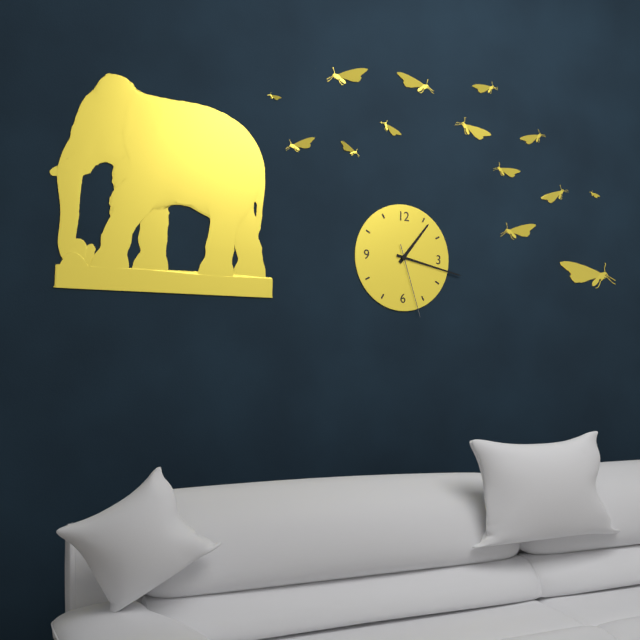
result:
1,17,27
